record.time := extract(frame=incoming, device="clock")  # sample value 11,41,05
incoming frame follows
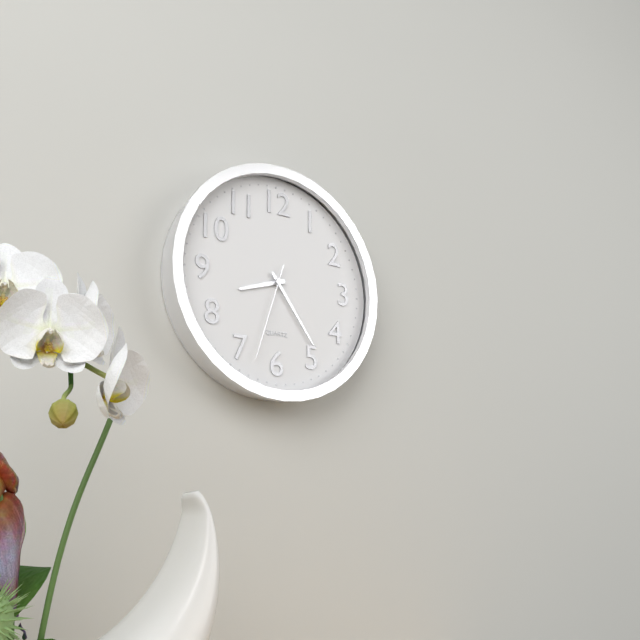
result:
8,24,33
